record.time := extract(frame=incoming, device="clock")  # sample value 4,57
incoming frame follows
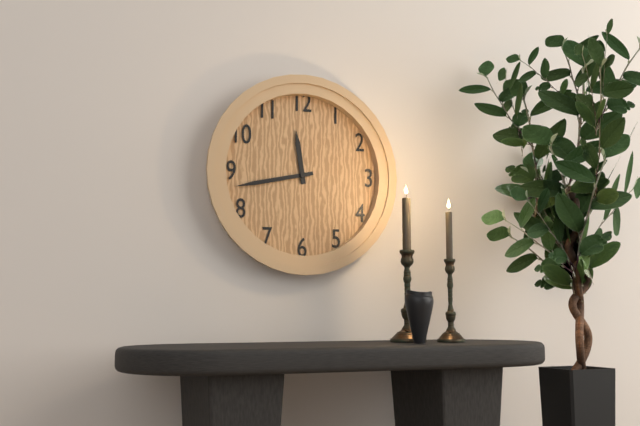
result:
11,43
